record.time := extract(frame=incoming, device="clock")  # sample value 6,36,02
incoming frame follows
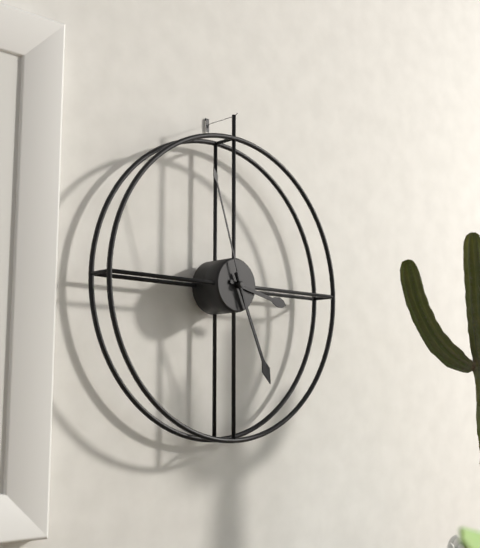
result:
3,26,57
